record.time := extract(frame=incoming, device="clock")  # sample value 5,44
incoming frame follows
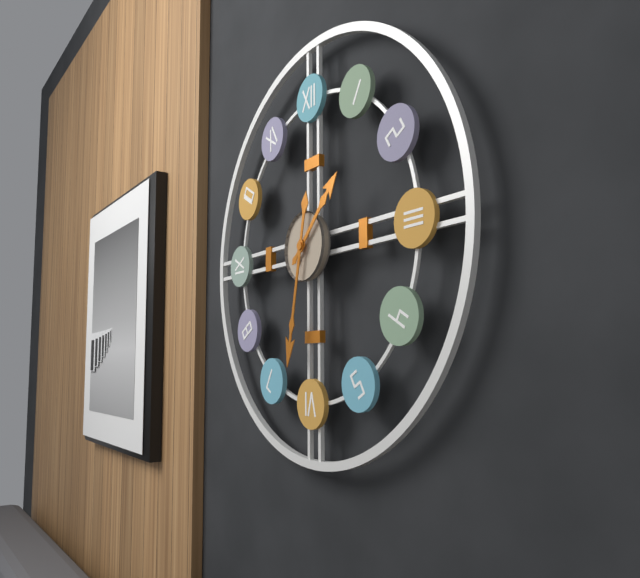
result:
1,32
